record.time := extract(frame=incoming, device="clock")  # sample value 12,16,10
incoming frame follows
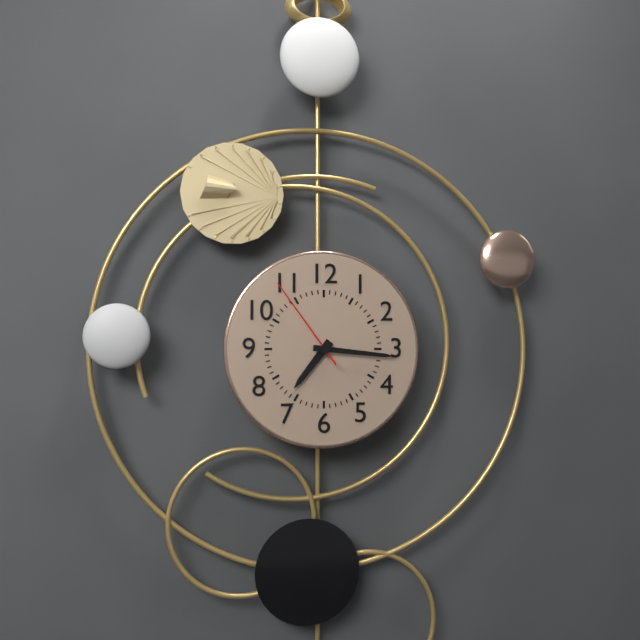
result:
7,16,54
